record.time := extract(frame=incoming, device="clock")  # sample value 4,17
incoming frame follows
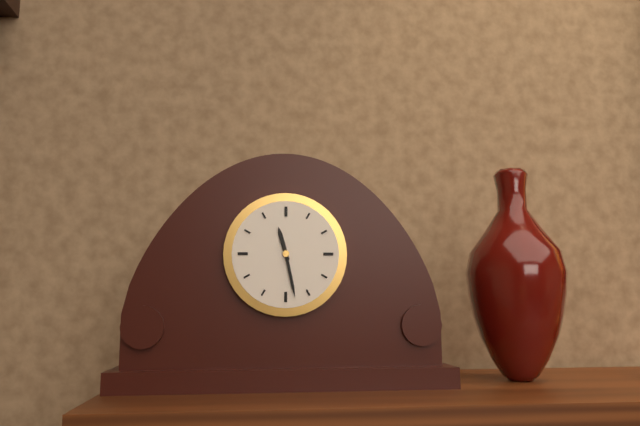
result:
11,28
